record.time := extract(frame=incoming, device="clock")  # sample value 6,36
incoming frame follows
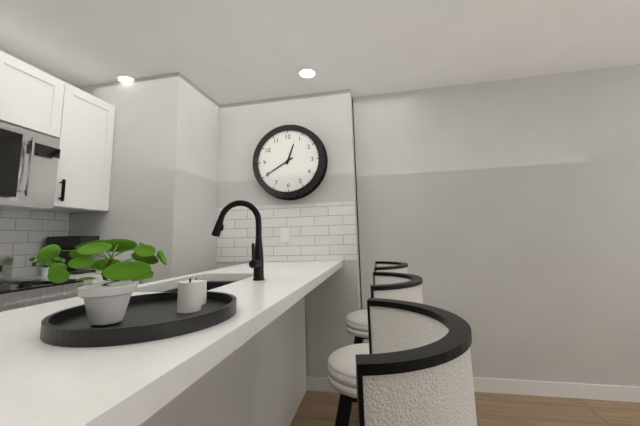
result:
12,40
